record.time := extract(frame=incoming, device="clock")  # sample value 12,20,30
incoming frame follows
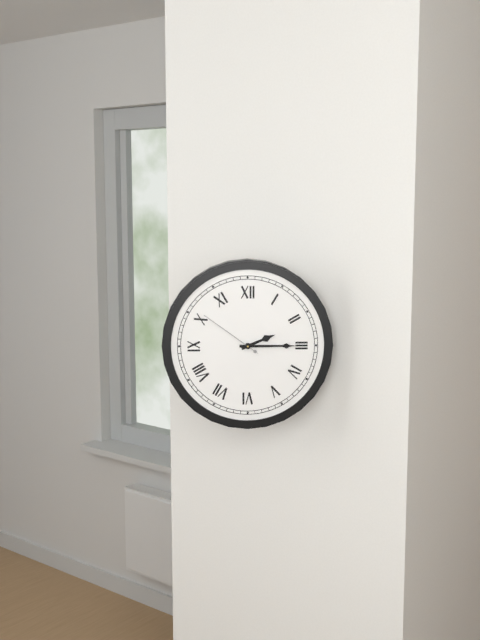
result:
2,15,51
